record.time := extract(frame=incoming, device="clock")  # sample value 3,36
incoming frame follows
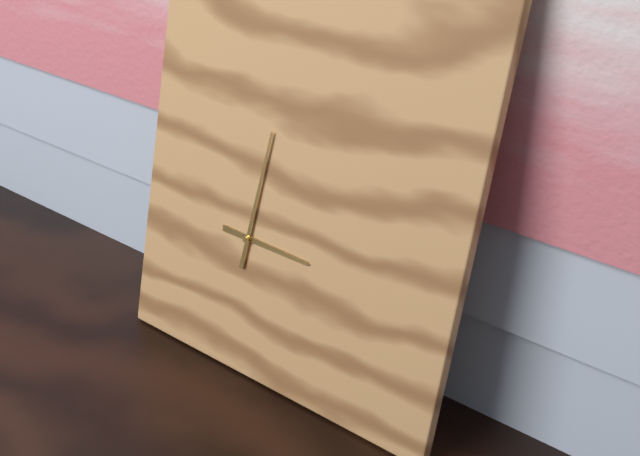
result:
3,01
